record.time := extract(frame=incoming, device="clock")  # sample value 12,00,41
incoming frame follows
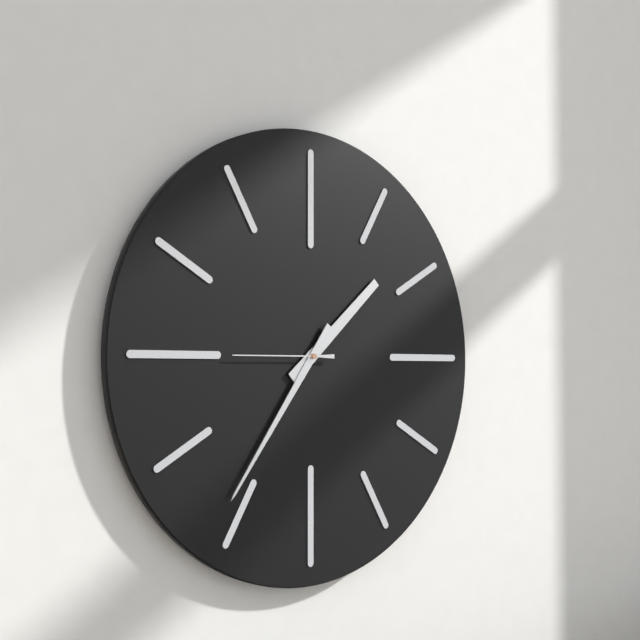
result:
1,36,45
